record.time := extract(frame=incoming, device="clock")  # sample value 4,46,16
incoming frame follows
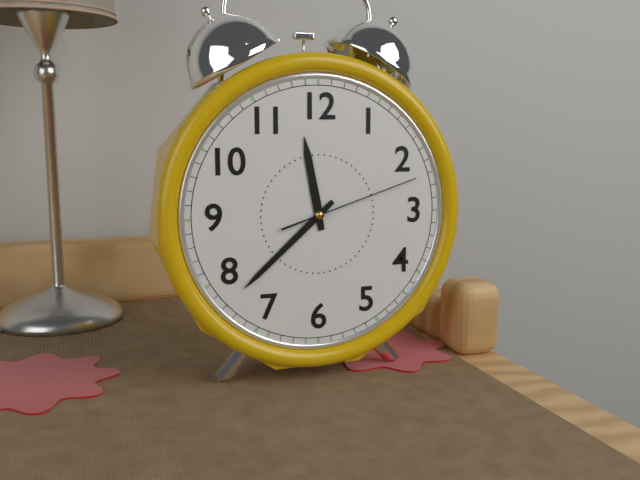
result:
11,38,12
